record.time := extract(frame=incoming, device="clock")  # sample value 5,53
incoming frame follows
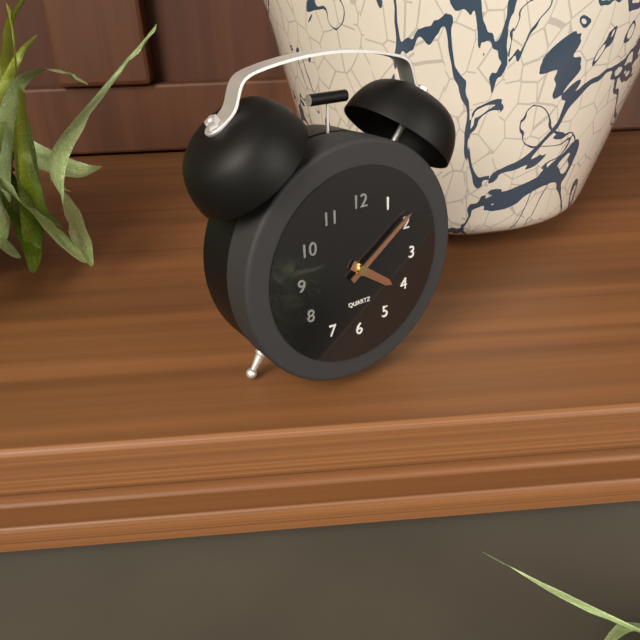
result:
4,09
